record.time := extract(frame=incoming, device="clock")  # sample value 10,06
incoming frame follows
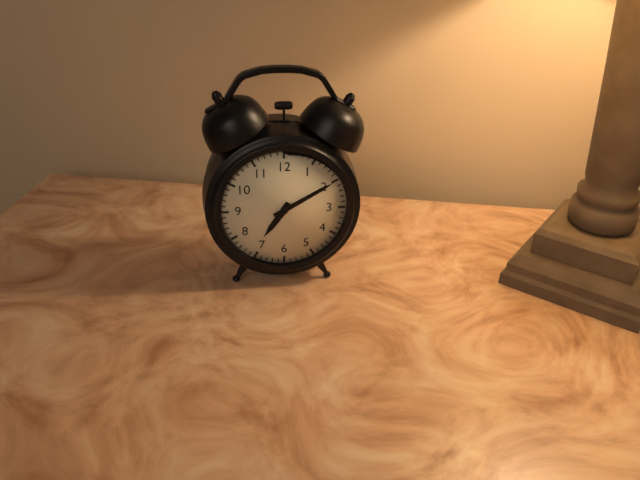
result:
7,10
